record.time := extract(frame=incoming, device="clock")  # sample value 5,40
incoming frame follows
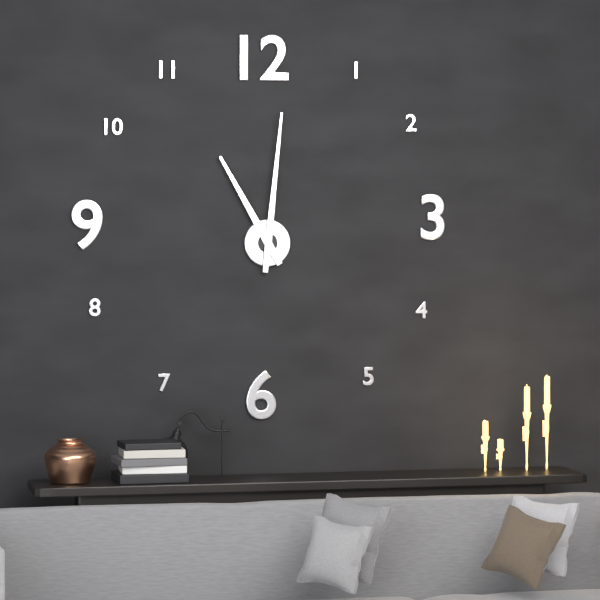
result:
11,01
